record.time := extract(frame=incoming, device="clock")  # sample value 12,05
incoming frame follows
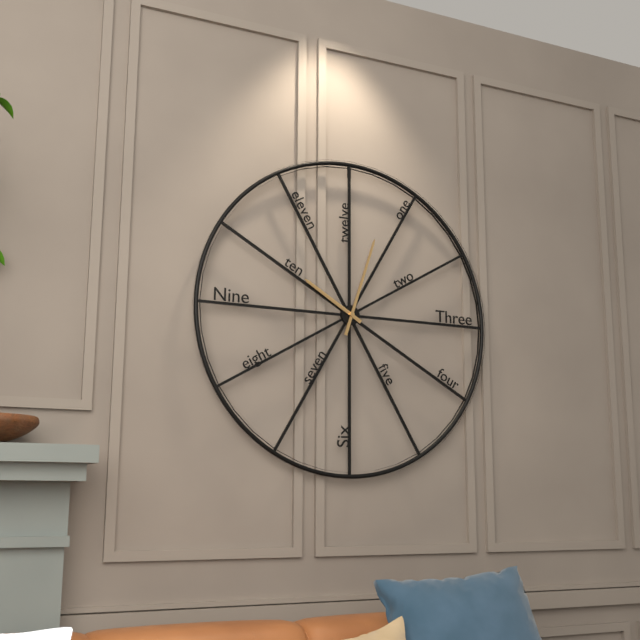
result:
10,03
